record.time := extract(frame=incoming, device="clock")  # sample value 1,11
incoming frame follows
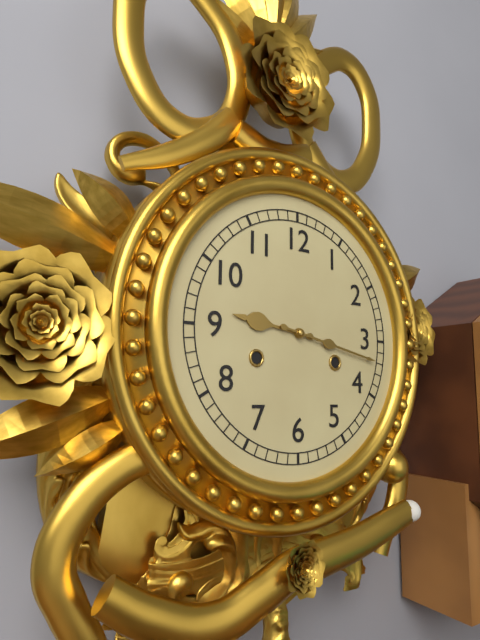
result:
9,17
